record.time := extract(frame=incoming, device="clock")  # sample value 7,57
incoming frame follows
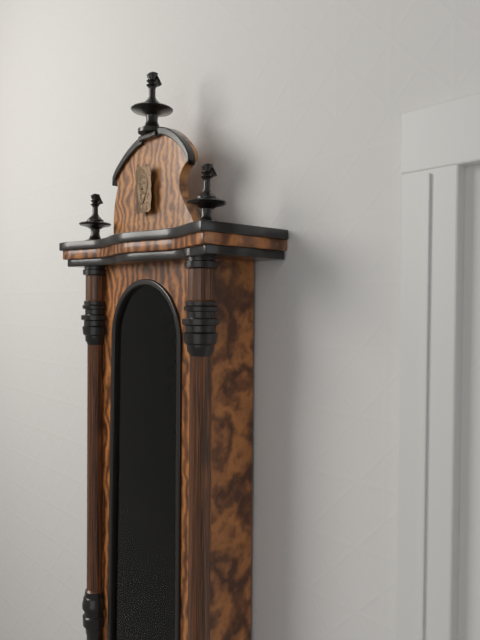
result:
11,03
